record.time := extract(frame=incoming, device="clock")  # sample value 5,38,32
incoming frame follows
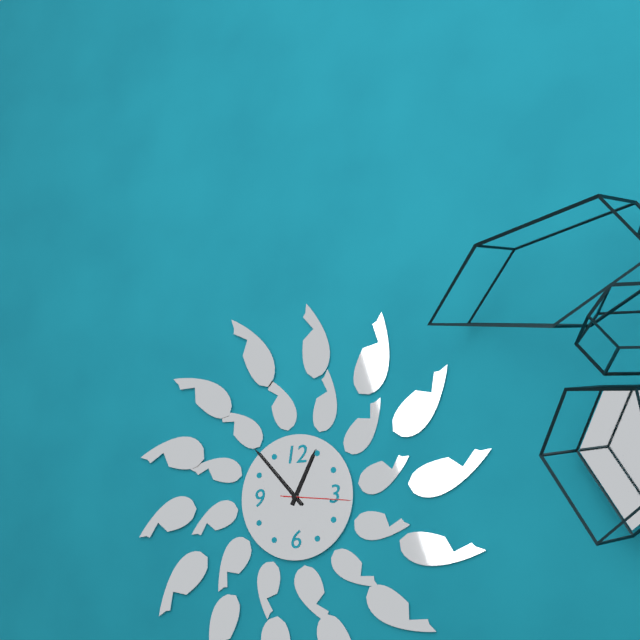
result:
12,53,16
